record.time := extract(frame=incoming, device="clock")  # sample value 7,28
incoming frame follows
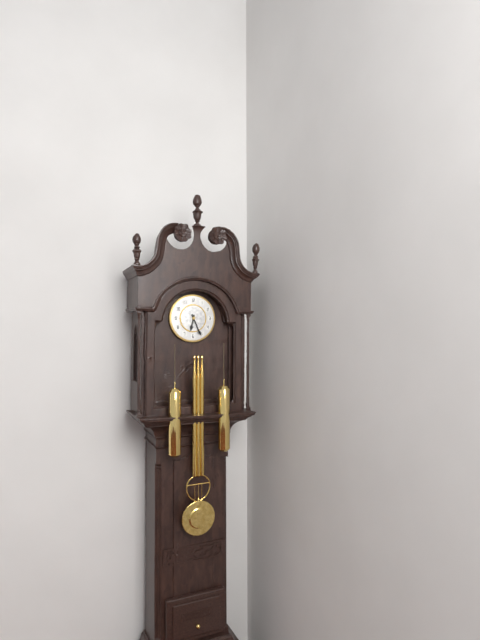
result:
6,26
